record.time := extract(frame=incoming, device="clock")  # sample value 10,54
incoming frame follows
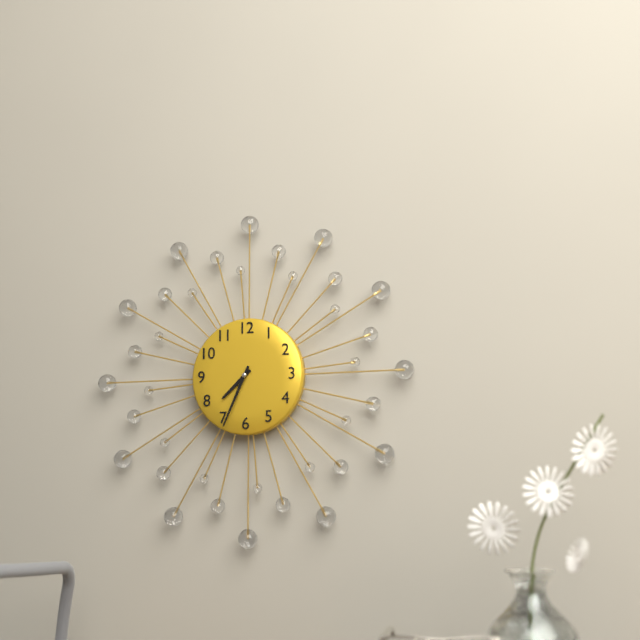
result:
7,34
